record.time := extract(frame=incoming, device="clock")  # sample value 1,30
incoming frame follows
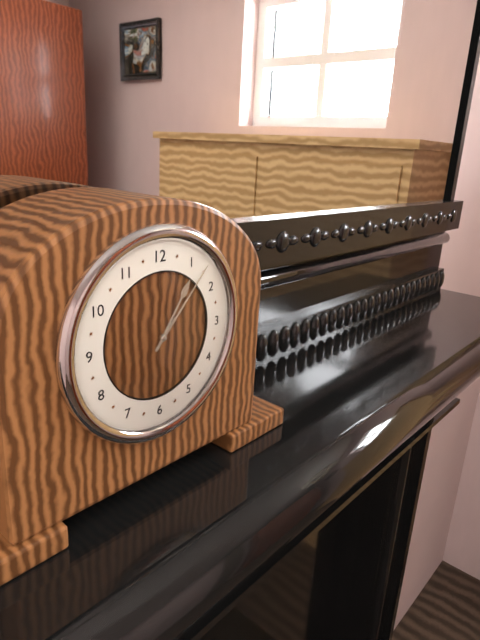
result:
1,07
